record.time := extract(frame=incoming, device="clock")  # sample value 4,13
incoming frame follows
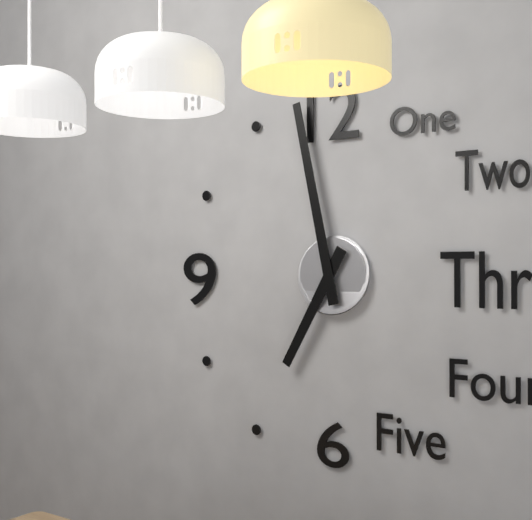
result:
6,58
